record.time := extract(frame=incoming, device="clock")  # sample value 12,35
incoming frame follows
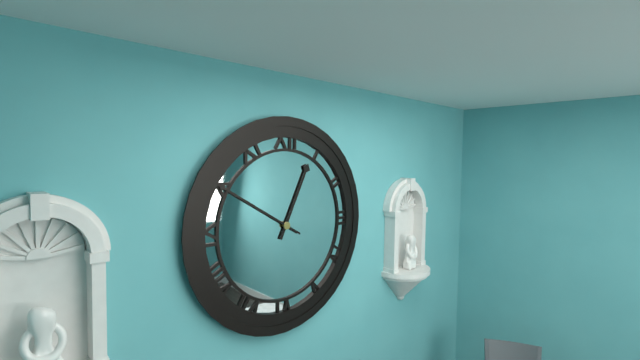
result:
12,50
